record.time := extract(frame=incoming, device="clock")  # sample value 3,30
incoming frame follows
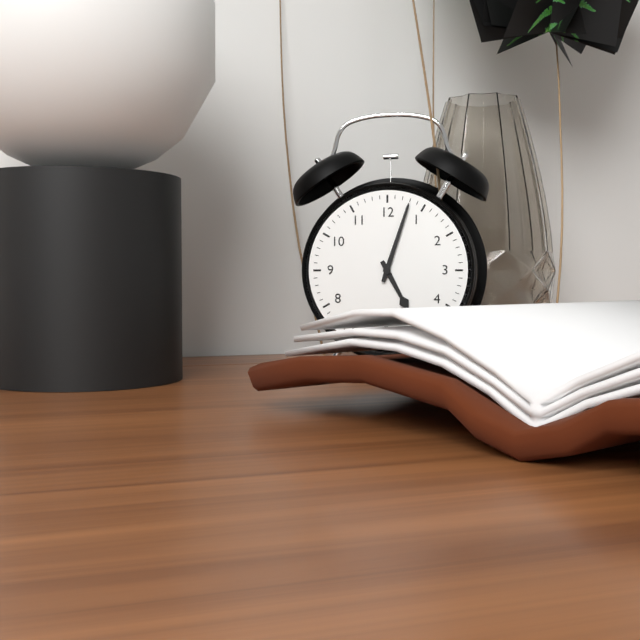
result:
5,03
